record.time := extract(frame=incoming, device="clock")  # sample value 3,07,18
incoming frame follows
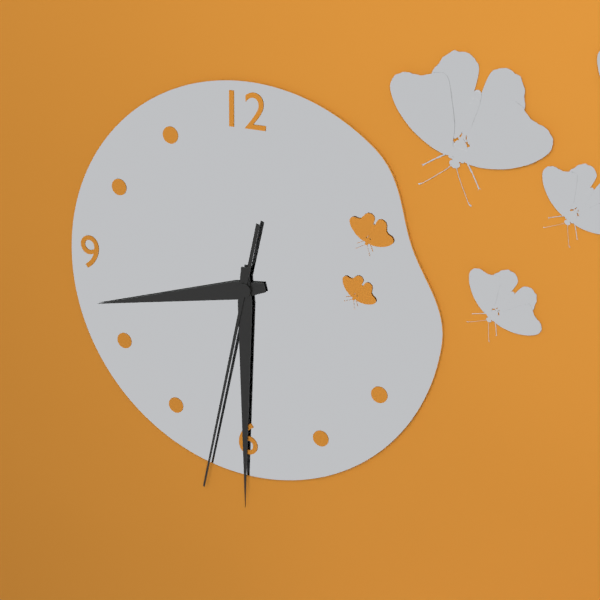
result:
8,30,32
